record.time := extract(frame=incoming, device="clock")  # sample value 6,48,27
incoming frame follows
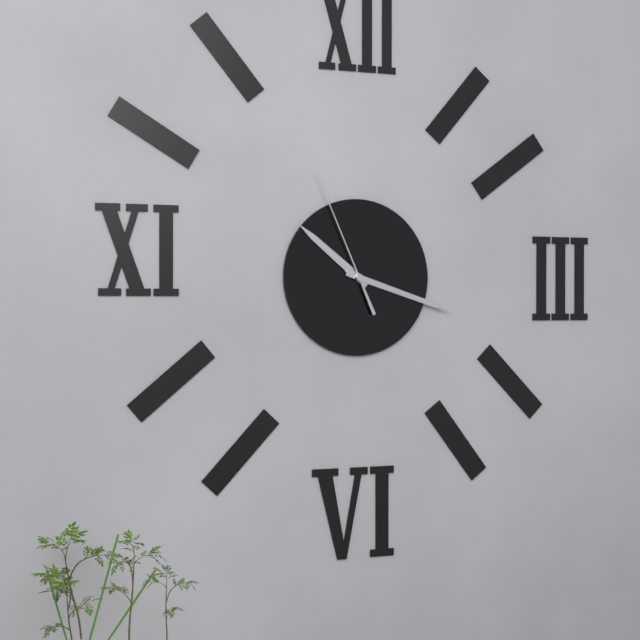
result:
10,18,56
